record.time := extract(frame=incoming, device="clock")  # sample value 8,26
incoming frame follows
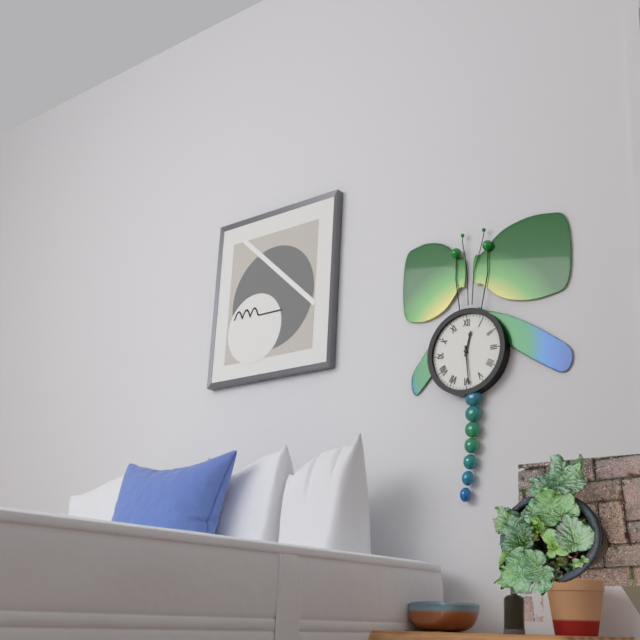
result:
12,29
